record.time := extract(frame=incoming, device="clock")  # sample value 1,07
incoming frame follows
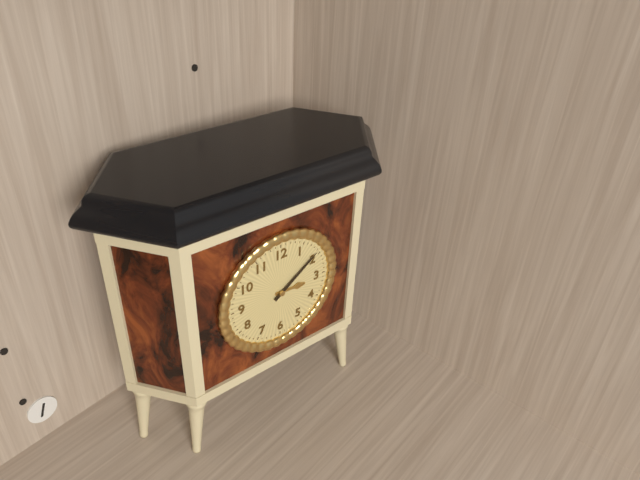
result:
3,09
